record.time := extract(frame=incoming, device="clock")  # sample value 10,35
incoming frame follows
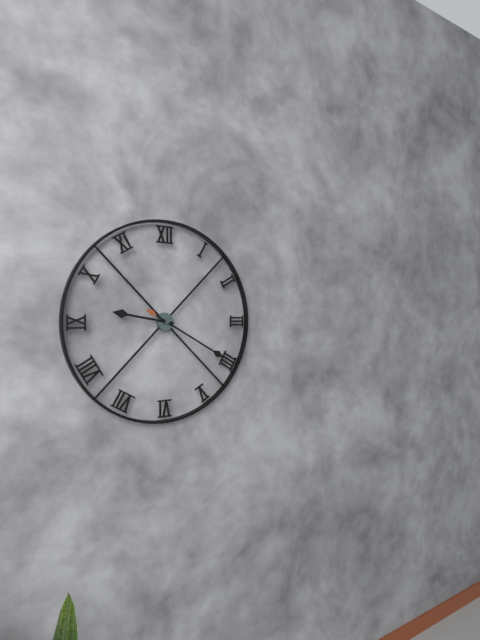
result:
9,20
